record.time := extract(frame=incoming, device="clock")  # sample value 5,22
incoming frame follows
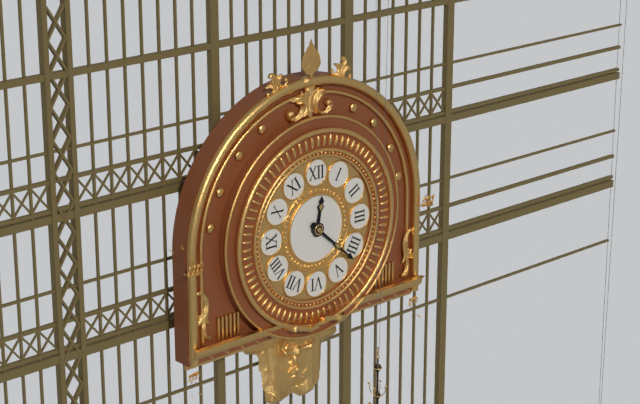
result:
12,22
